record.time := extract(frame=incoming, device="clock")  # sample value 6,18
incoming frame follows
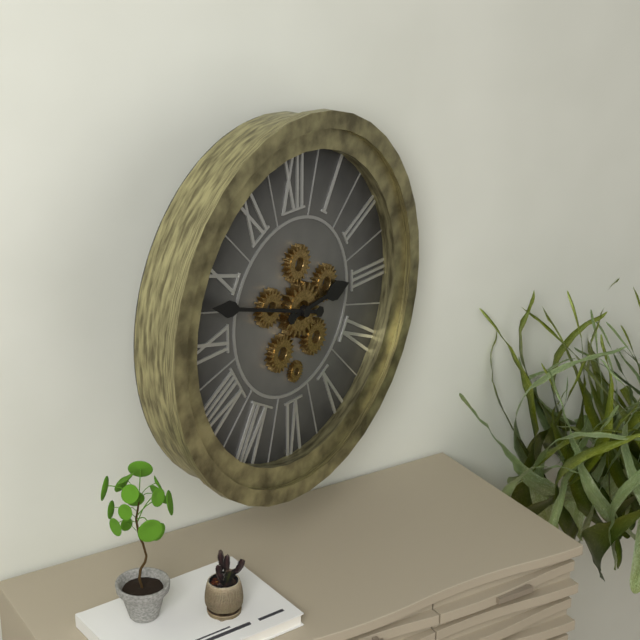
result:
2,48
